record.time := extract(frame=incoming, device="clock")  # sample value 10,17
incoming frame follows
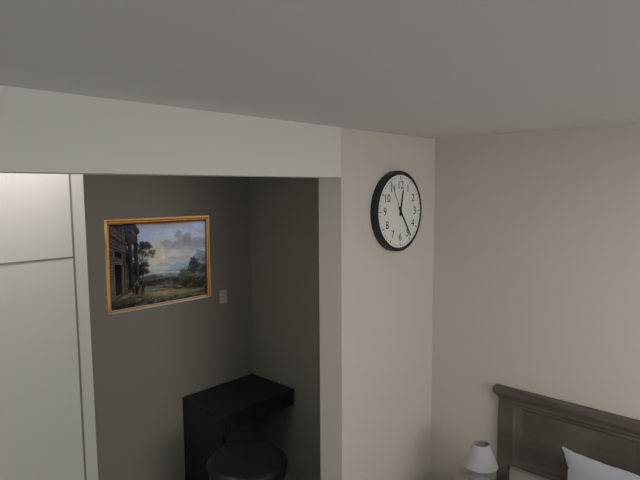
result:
12,24
